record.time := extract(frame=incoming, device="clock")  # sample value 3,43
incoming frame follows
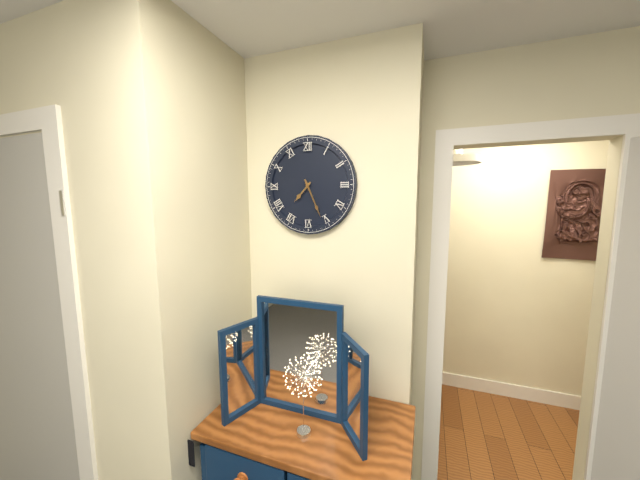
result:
7,26
